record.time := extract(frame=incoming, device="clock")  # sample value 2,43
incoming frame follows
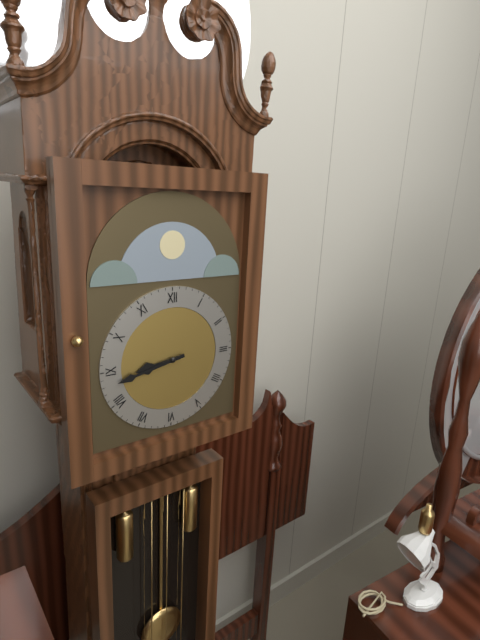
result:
8,43
